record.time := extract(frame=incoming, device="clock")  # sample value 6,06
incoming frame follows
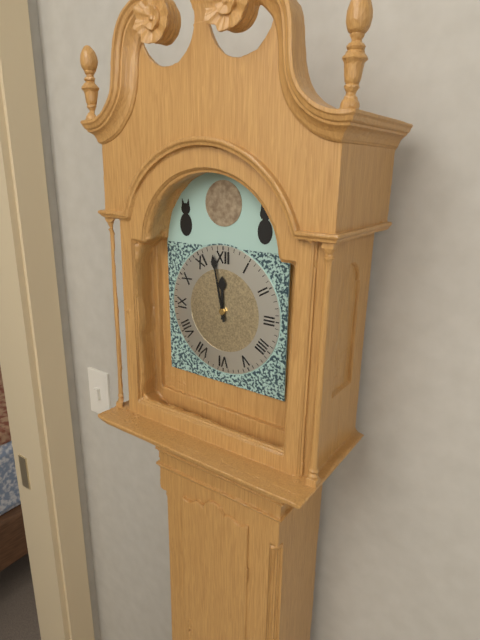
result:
11,58
